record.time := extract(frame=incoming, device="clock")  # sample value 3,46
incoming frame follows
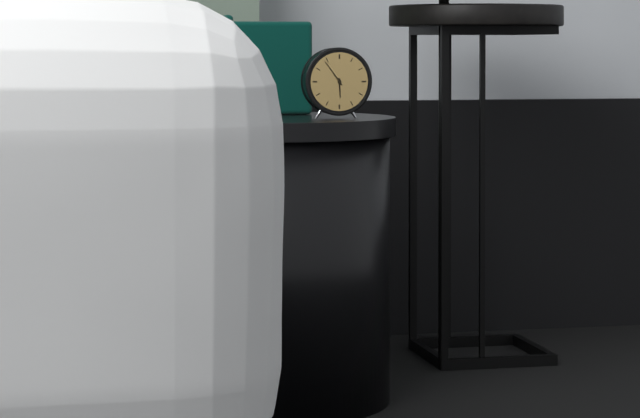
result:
5,54
